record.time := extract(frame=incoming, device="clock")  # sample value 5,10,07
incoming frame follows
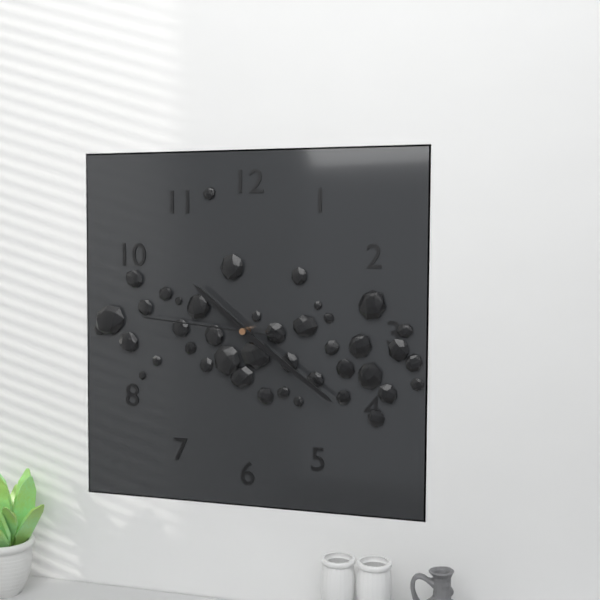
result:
10,21,46
